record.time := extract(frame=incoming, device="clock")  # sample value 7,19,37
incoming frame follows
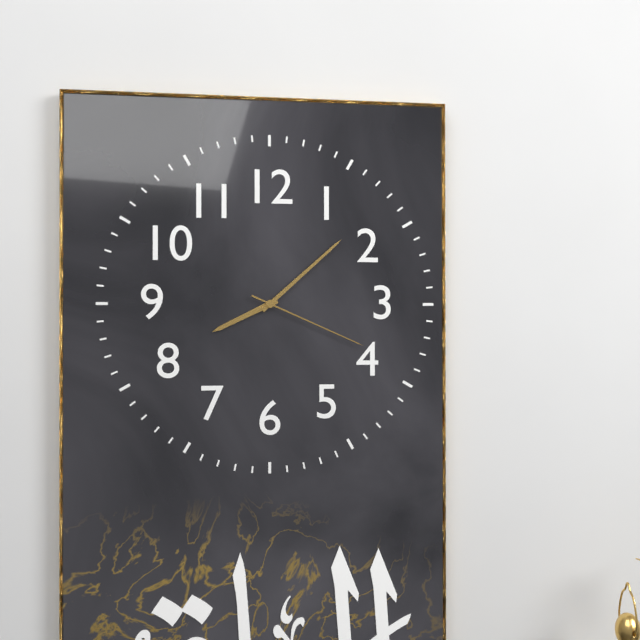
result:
8,08,19
